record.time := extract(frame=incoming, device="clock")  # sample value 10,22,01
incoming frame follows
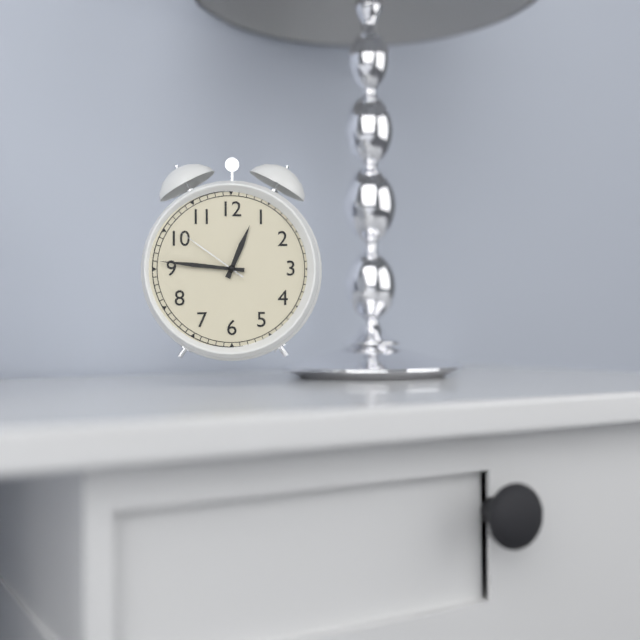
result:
12,46,51
